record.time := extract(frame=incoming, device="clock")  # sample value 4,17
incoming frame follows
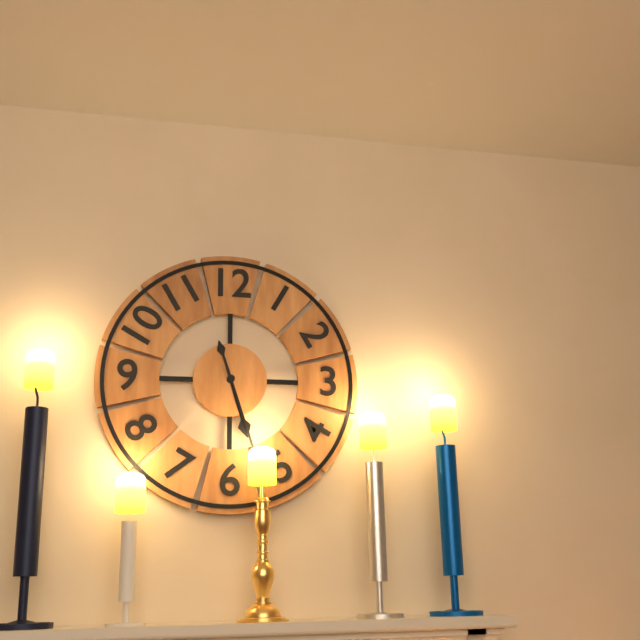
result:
5,27
